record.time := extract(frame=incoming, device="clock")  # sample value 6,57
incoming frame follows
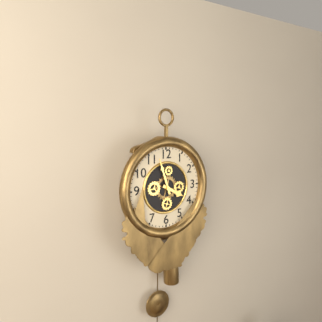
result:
3,57
